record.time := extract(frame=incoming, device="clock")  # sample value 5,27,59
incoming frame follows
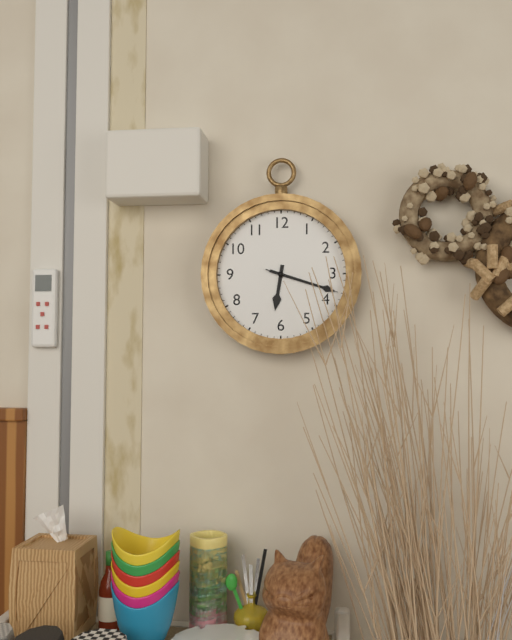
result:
6,18,18
